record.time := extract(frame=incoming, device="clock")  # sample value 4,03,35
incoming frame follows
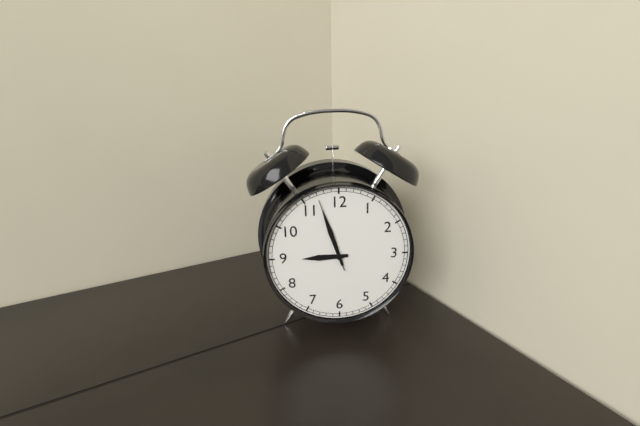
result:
8,57,57
